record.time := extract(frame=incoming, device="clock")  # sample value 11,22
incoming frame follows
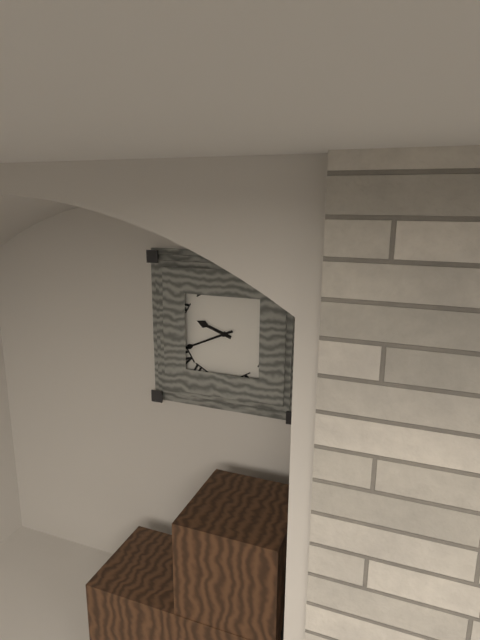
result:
9,41
